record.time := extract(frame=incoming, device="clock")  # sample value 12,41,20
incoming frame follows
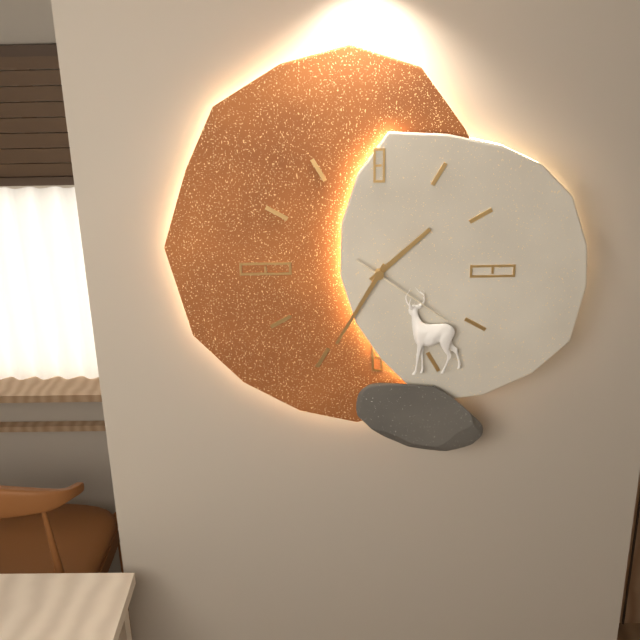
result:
1,35,21
